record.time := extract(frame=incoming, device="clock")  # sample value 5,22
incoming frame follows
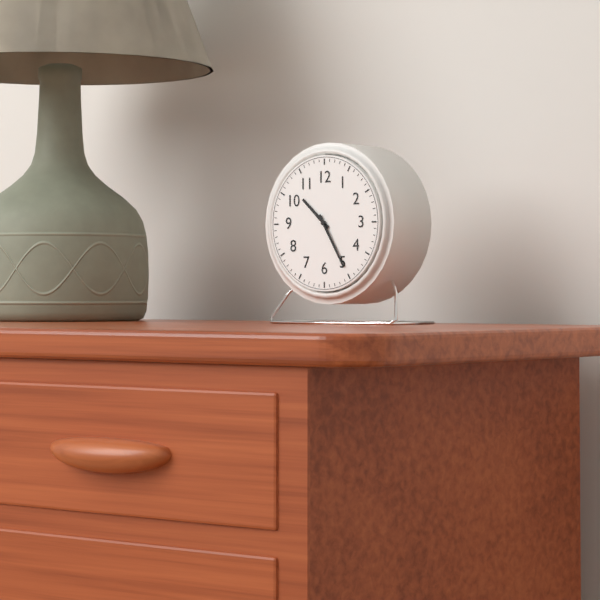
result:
10,25
